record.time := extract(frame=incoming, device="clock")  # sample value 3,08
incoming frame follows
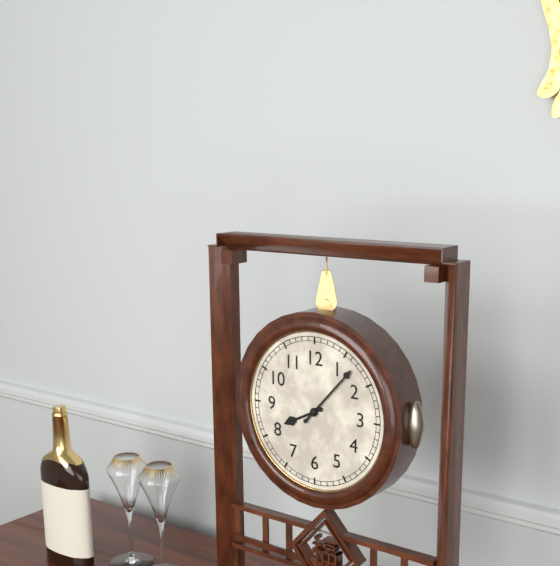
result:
8,07
